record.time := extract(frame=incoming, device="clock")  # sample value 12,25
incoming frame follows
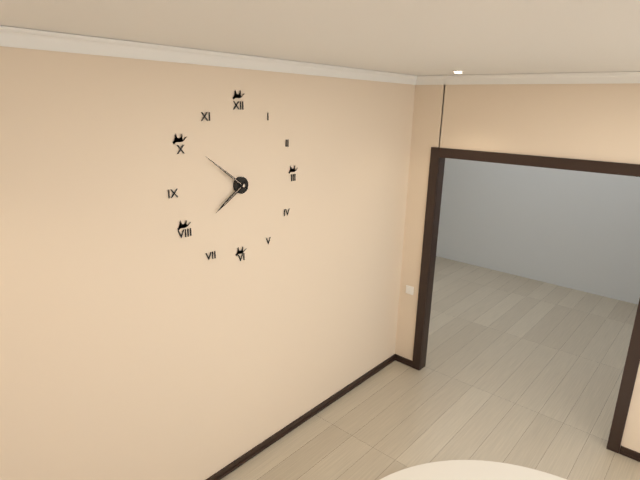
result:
7,51
